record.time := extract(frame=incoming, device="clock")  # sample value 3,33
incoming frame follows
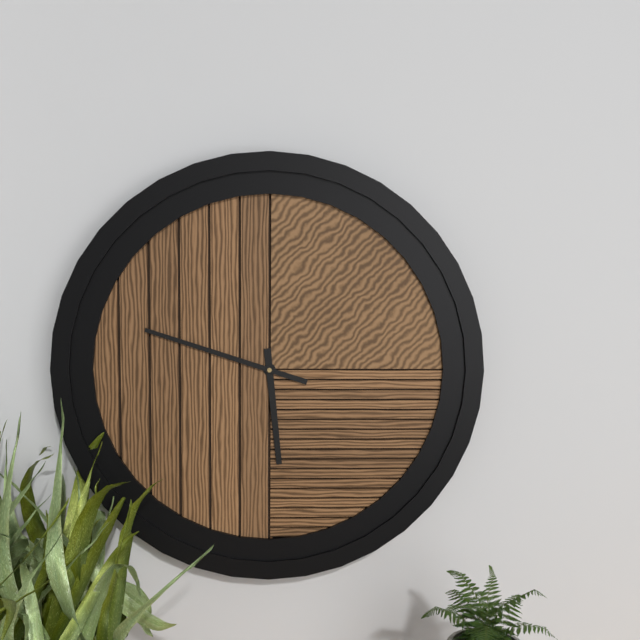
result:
5,48
